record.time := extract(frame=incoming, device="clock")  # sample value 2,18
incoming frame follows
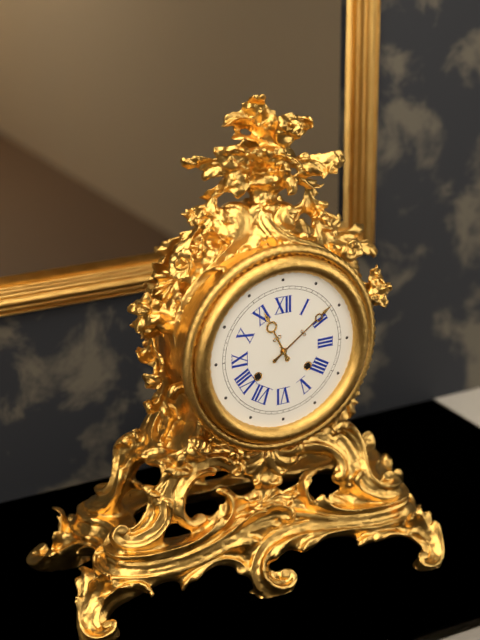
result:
11,09
